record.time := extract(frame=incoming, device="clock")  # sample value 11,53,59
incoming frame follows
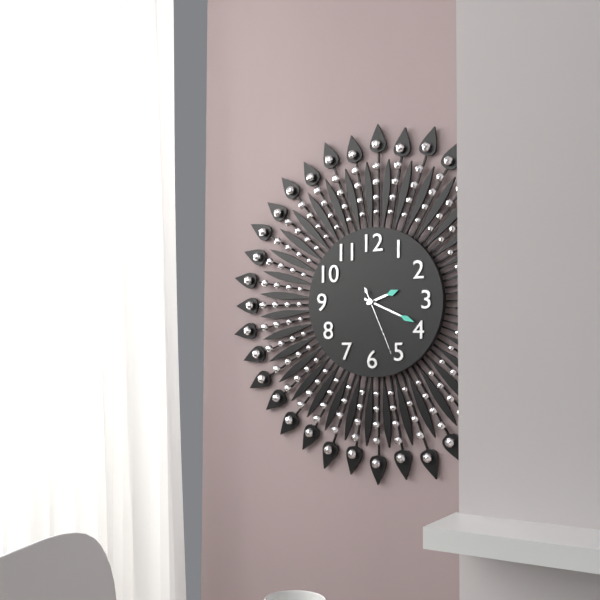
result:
2,19,26
